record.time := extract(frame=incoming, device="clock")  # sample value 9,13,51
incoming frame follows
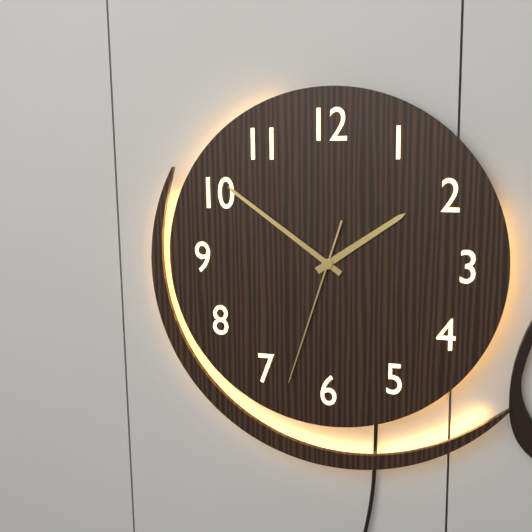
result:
1,51,33
